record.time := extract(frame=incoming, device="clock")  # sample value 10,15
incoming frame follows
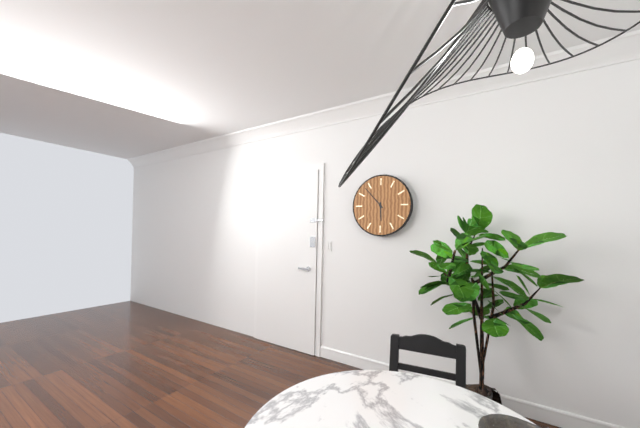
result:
5,53
